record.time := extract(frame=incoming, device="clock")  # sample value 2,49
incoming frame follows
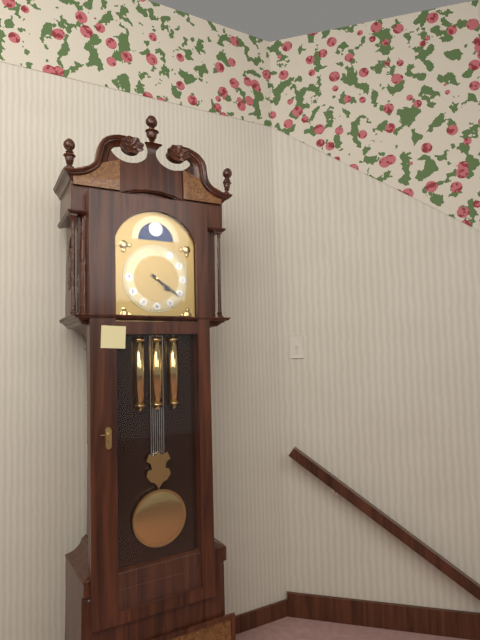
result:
4,21
